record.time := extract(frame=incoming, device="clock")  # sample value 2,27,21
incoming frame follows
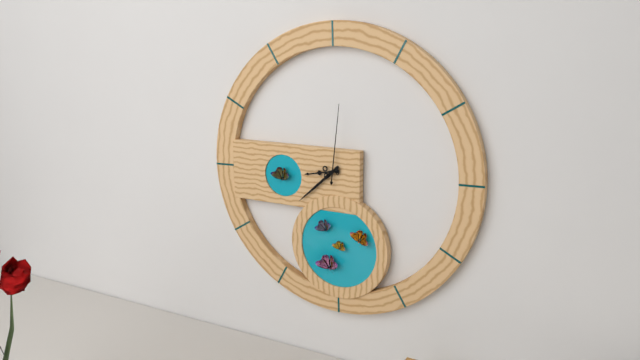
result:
8,38,01
